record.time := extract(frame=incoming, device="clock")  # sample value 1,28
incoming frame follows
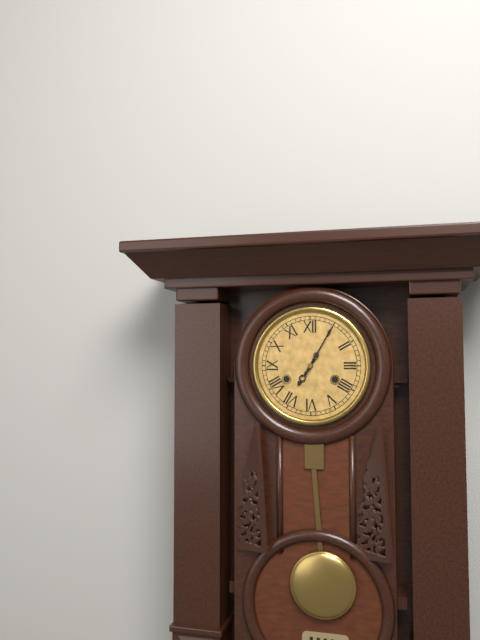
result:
7,05
